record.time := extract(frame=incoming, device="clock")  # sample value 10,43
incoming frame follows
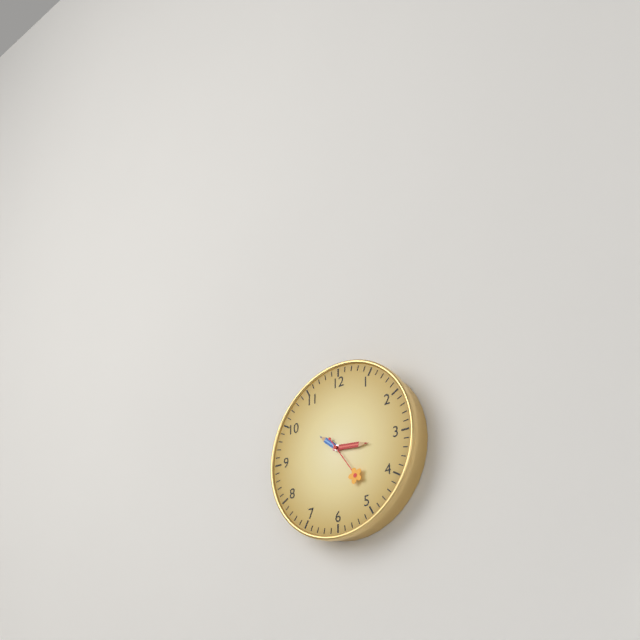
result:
10,16
